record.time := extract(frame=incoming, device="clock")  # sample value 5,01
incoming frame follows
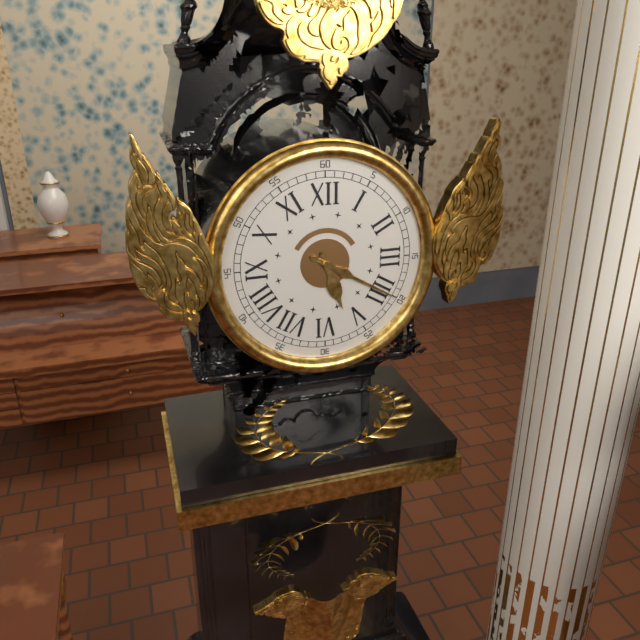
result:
5,20
